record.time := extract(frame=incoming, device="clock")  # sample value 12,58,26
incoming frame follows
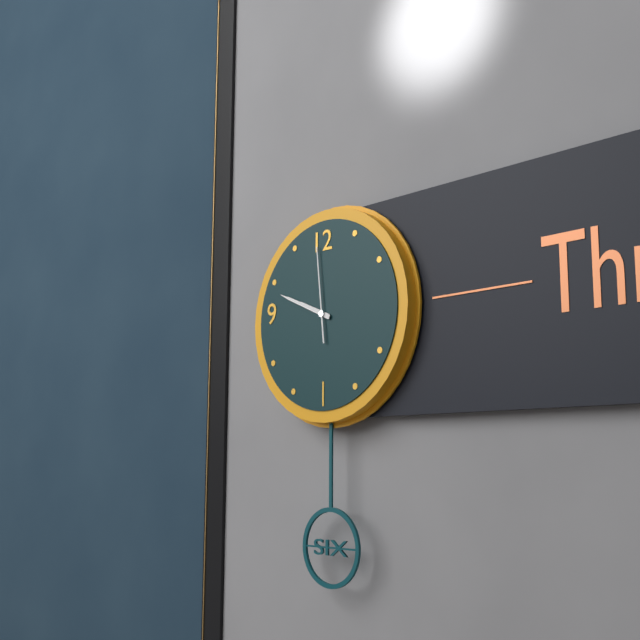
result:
9,49,59
